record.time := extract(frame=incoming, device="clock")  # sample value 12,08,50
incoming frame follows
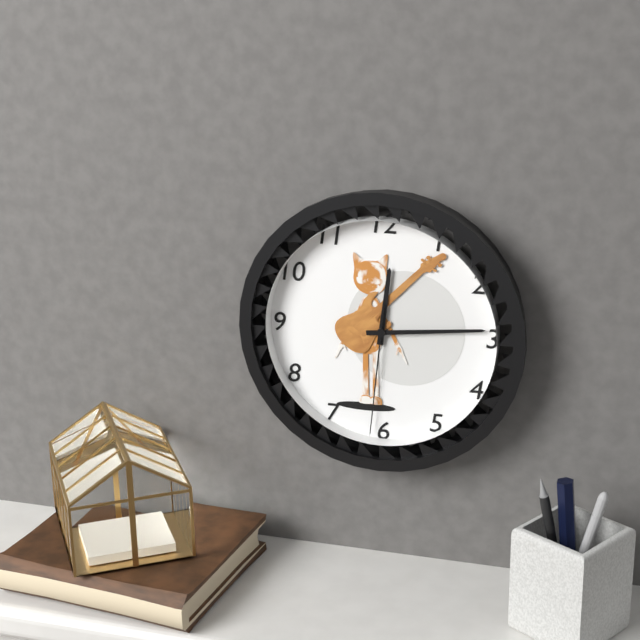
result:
12,14,31
